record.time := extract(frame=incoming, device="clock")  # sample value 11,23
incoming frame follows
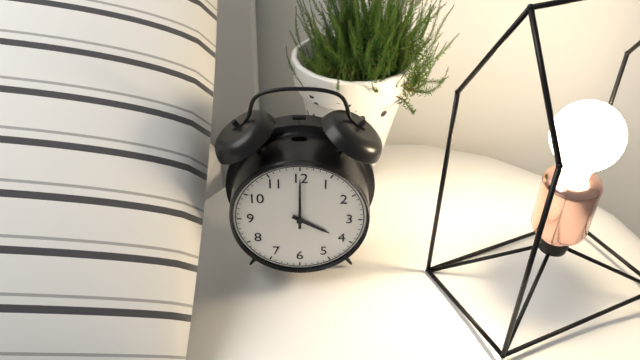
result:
4,00
